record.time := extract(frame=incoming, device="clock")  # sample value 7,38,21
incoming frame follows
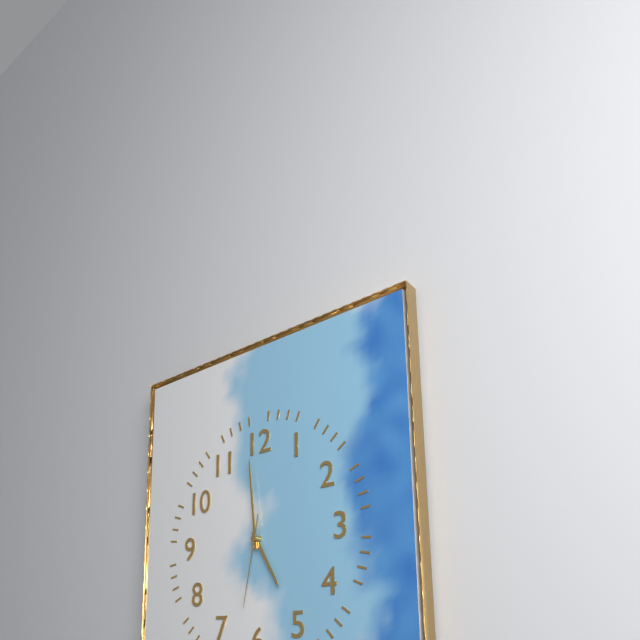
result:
4,59,32
